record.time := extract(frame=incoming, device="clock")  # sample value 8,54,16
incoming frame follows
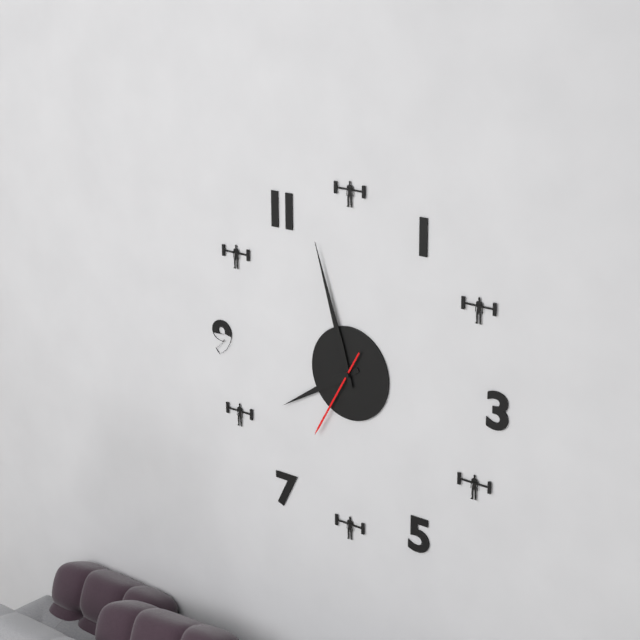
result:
7,57,35
